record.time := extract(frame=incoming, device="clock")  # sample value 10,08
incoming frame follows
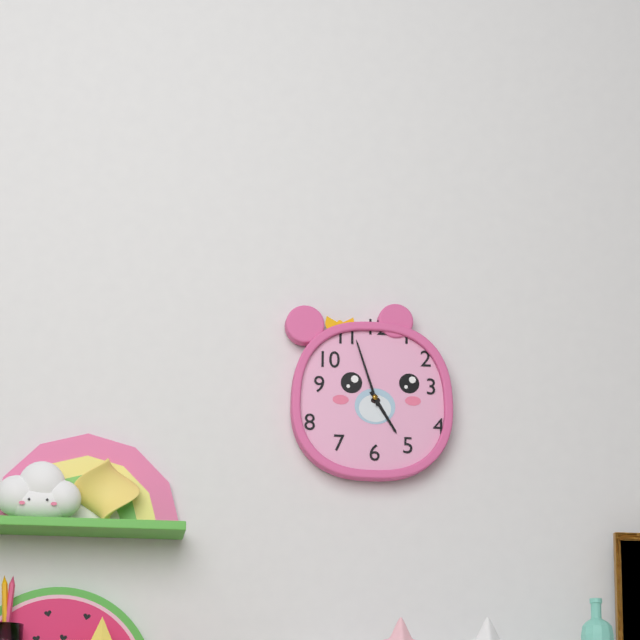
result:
4,57
